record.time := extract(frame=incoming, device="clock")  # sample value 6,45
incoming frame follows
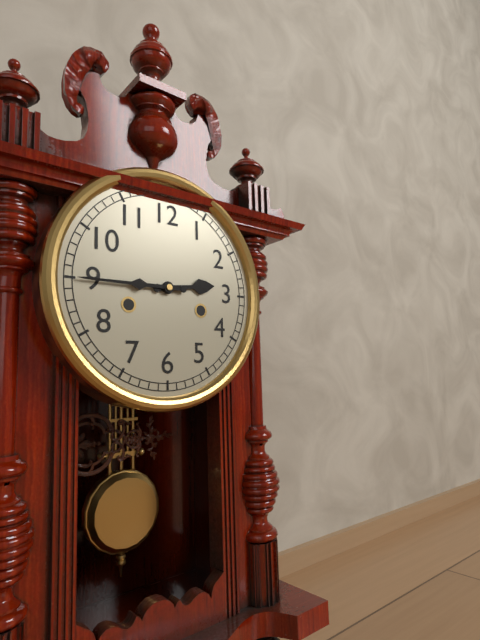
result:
2,45
